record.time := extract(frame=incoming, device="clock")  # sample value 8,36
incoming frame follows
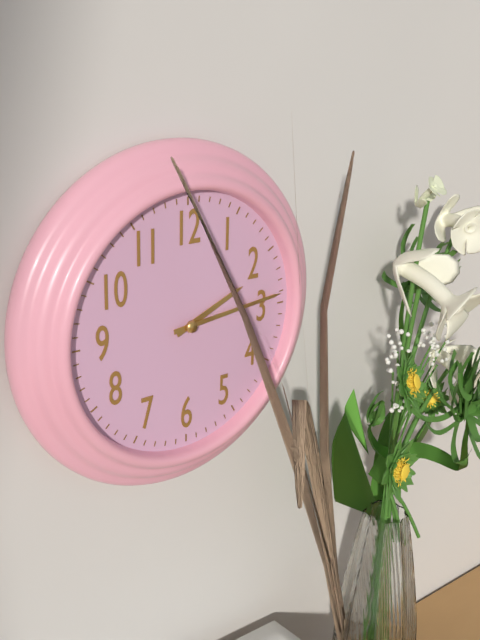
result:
2,14
